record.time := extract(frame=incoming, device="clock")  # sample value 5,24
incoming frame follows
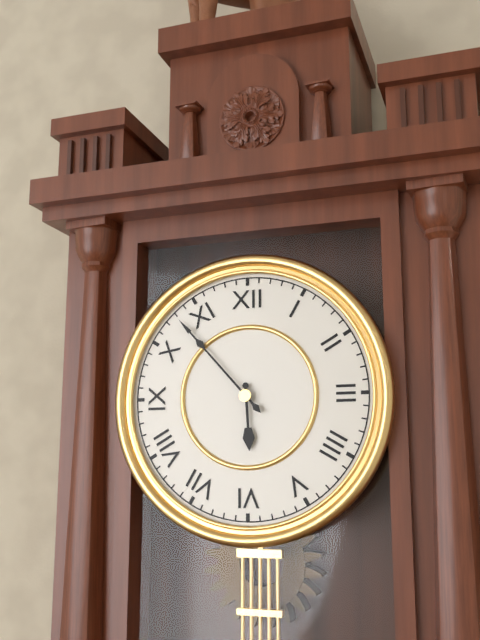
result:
5,53
